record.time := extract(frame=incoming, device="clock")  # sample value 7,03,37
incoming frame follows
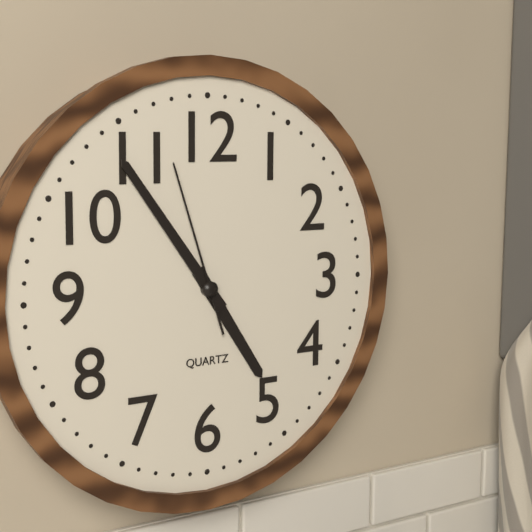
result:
4,54,57
